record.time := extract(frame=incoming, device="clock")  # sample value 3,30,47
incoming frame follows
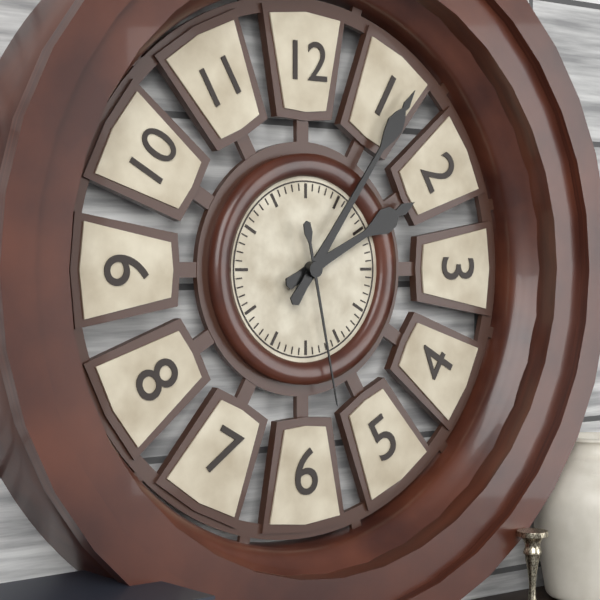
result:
2,06,28
